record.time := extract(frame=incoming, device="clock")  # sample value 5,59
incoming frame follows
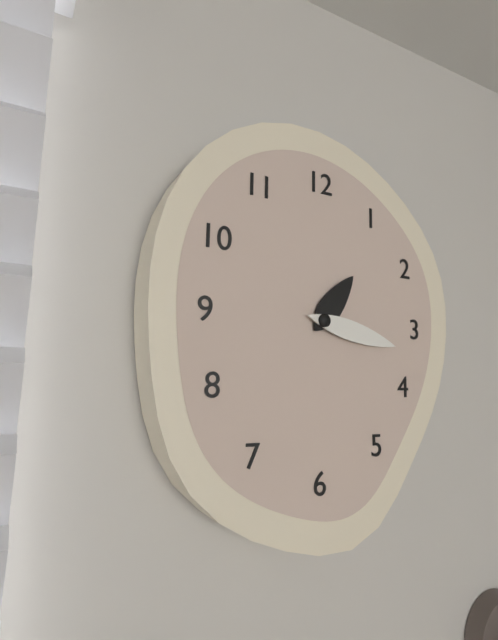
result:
1,17
